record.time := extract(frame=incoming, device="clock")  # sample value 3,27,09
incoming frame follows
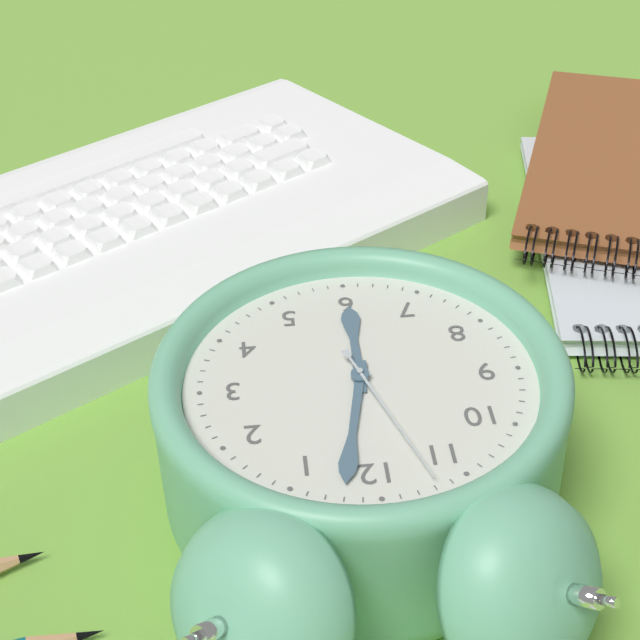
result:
6,02,57
